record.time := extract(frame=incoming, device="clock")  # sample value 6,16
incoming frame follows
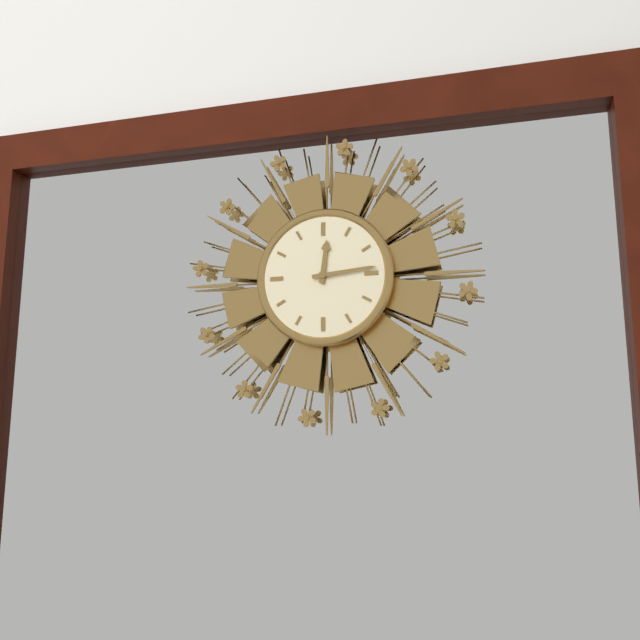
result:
12,14
